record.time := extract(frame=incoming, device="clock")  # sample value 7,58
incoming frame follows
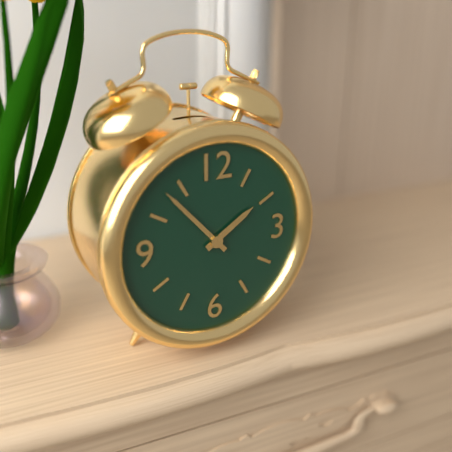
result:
1,53
